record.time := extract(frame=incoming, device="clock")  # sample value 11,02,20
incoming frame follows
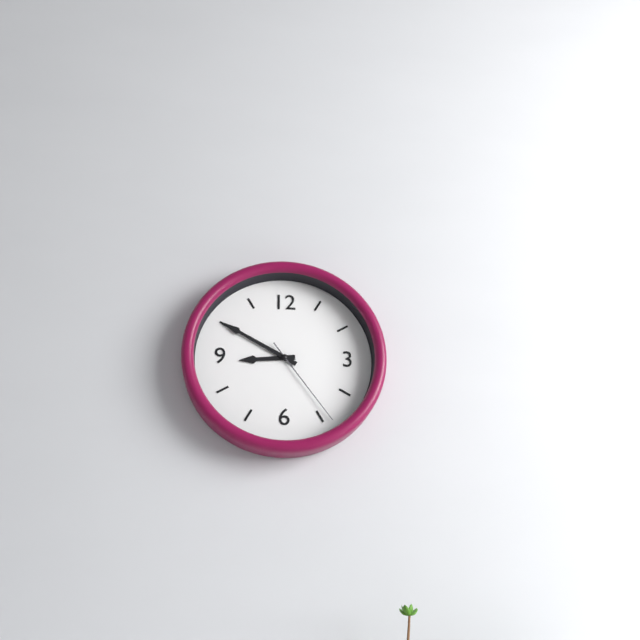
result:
8,50,24
